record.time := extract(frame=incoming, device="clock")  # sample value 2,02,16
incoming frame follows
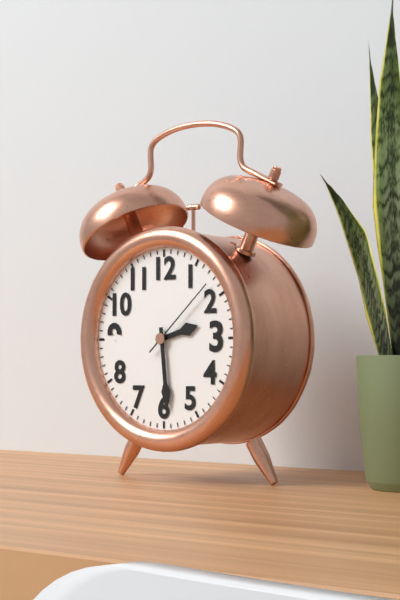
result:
2,29,08
